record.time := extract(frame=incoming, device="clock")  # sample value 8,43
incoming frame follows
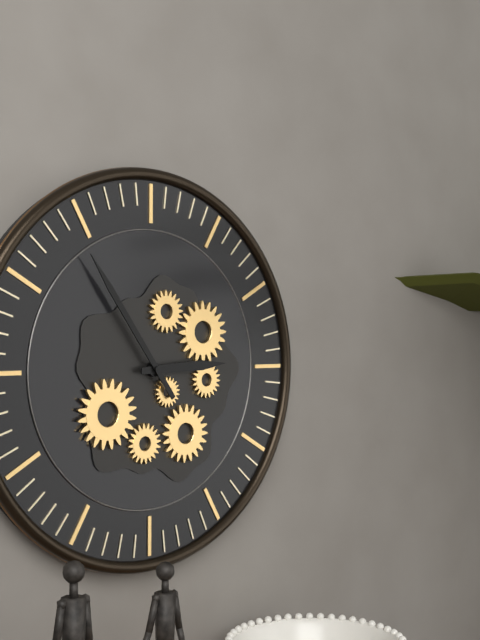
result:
2,54
